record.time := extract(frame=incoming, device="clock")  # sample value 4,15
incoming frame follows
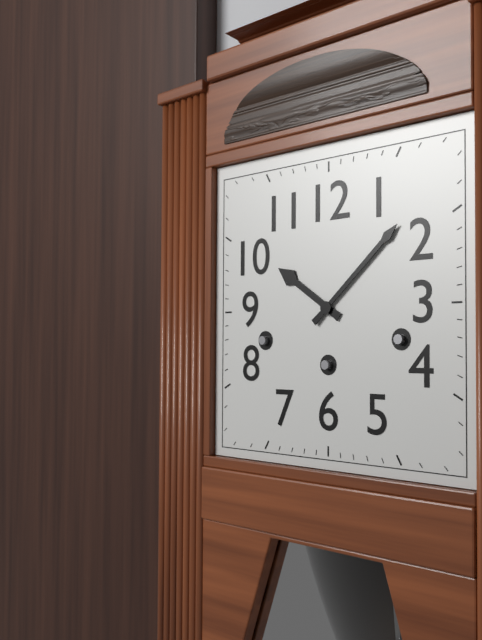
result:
10,08
